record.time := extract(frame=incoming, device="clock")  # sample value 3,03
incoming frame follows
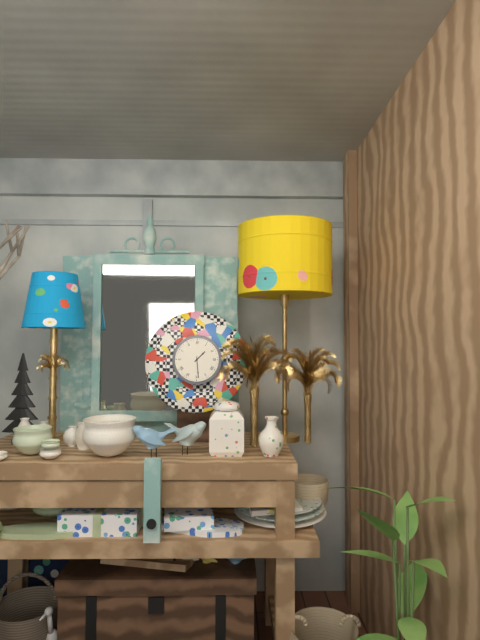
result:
1,29
